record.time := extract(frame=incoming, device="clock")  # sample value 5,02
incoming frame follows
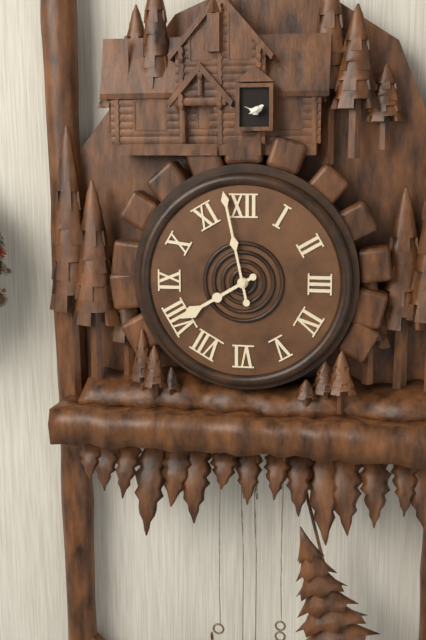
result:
7,58
